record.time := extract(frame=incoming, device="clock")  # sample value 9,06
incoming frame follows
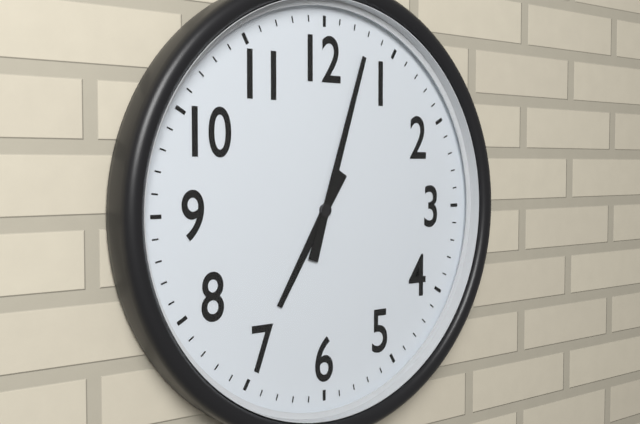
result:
7,03
